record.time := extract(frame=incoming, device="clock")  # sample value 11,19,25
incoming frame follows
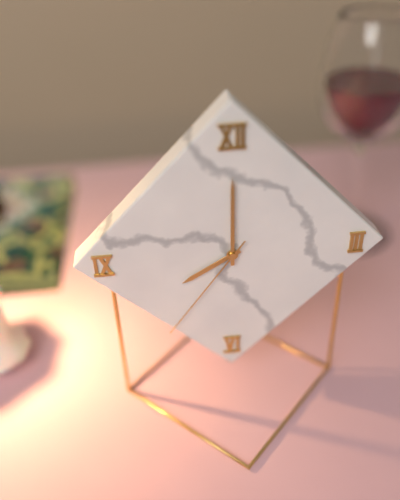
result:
8,00,36
